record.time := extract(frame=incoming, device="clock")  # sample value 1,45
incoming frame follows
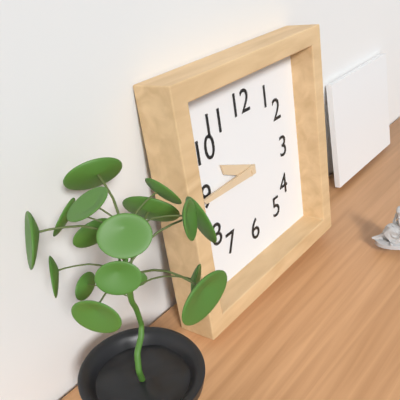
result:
9,45
